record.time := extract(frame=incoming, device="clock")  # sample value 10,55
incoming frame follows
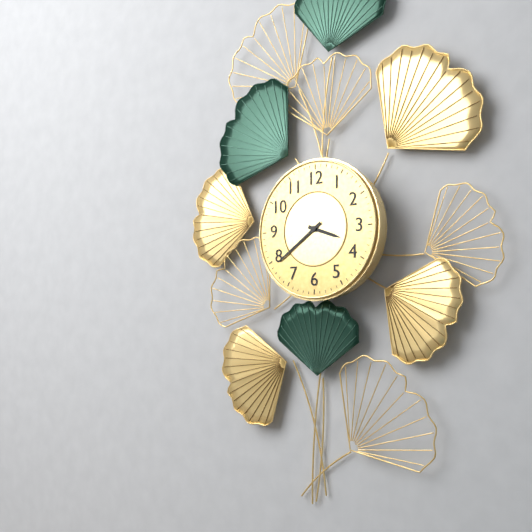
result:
3,39
